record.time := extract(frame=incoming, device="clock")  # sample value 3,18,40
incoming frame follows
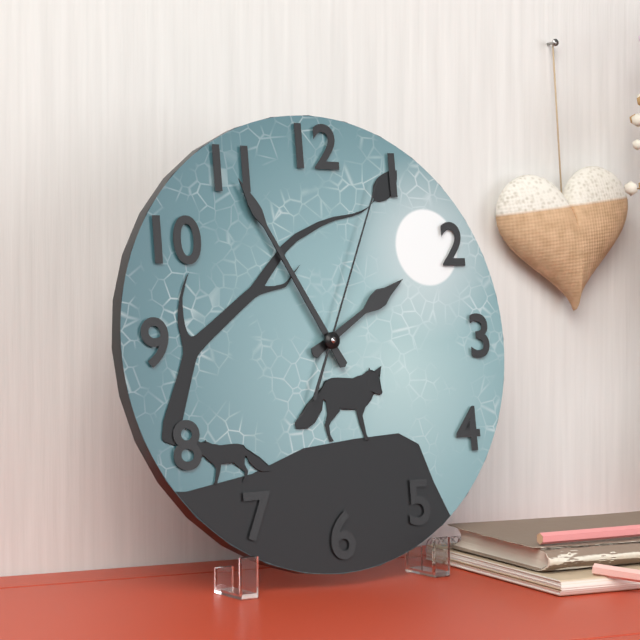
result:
1,55,04
